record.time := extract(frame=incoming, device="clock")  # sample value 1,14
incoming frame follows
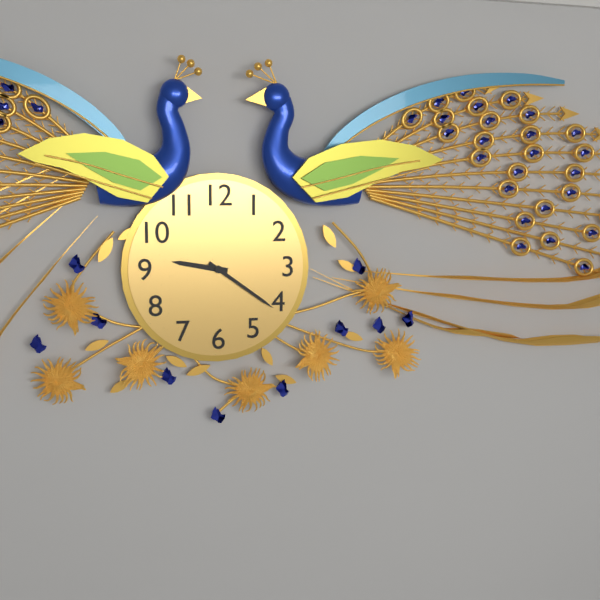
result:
9,21
